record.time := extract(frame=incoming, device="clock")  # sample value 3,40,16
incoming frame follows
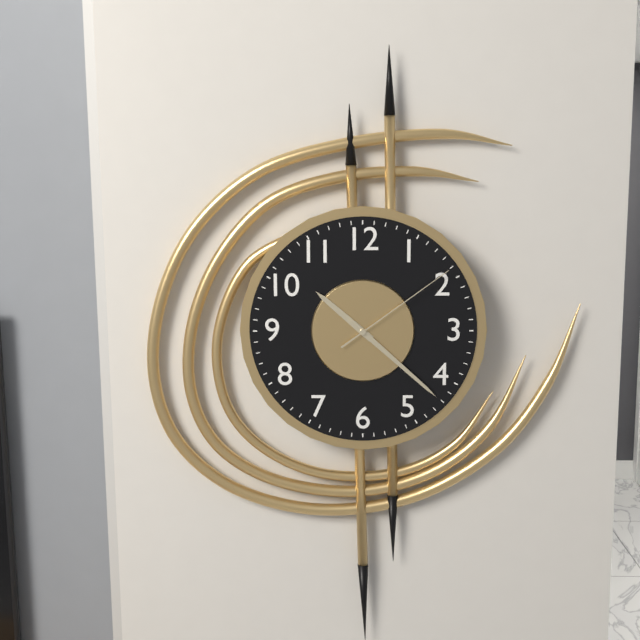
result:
10,22,09
